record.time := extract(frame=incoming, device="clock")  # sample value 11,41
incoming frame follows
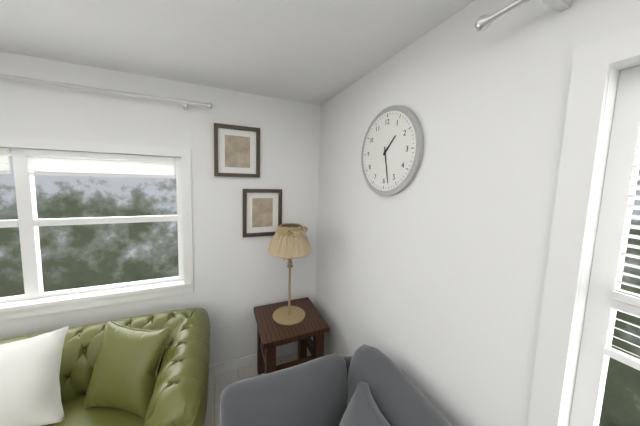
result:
1,28
